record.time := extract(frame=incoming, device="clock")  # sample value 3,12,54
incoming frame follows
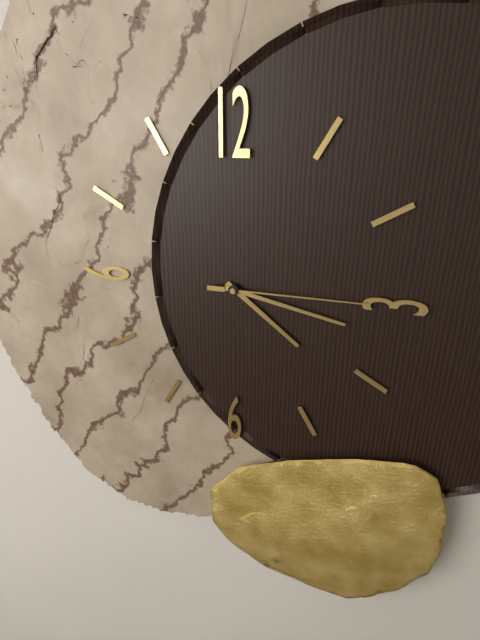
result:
4,17,15
